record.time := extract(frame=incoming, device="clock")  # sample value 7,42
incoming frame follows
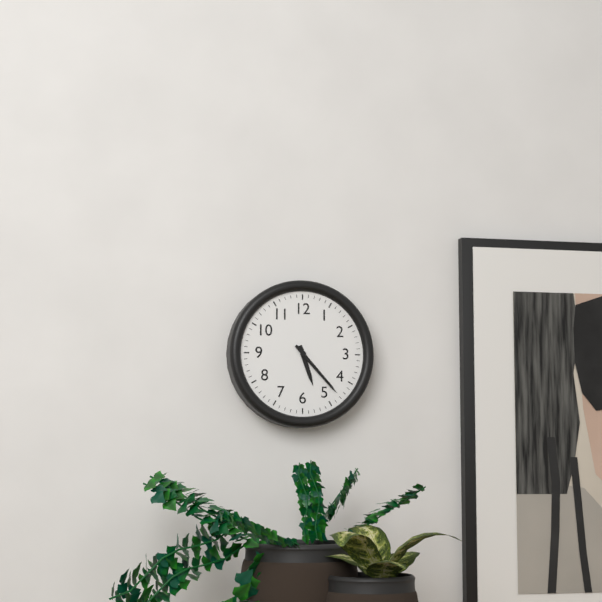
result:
5,23
